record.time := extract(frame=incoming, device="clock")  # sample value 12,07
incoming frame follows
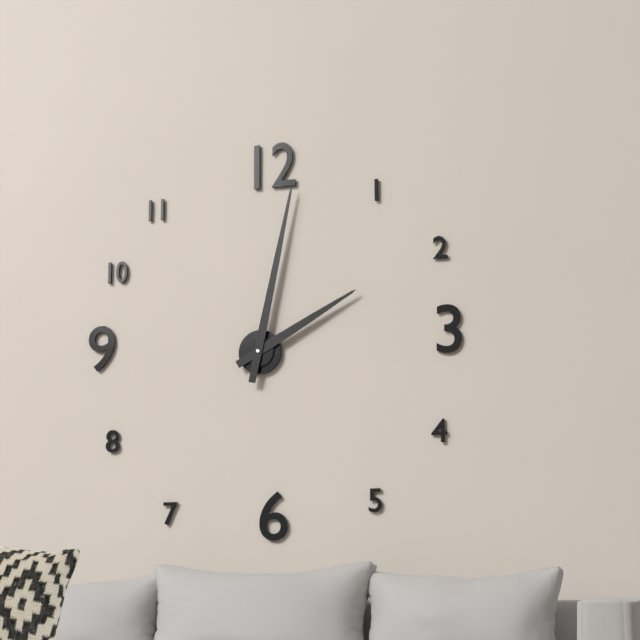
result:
2,02
